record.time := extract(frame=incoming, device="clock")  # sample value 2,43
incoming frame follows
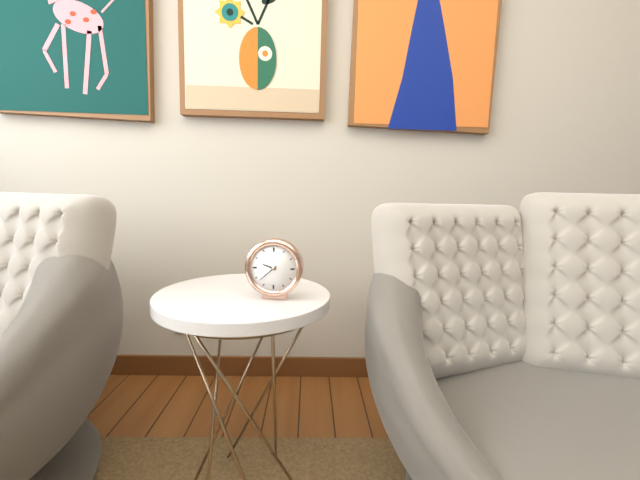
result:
9,38
